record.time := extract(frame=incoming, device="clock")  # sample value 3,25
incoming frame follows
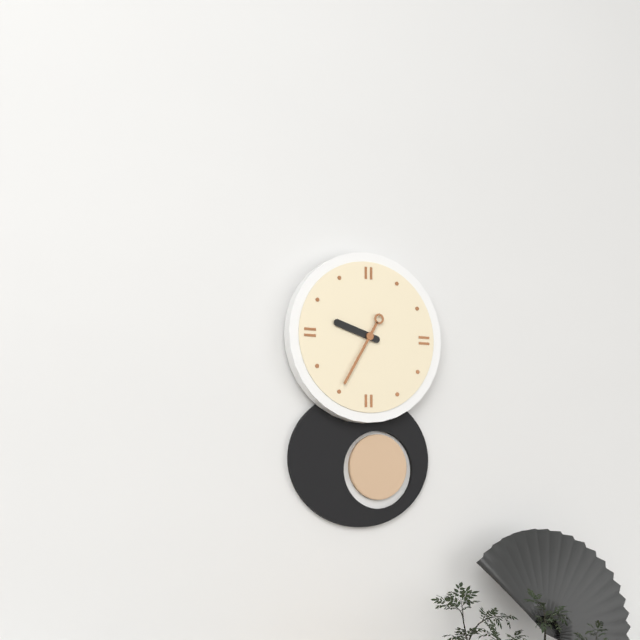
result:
9,35
